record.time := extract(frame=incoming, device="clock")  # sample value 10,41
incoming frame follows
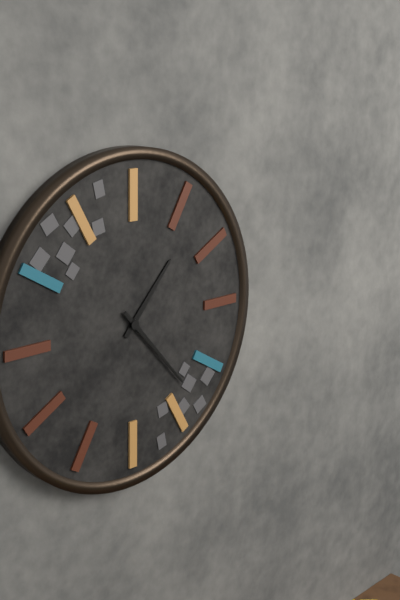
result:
1,23
